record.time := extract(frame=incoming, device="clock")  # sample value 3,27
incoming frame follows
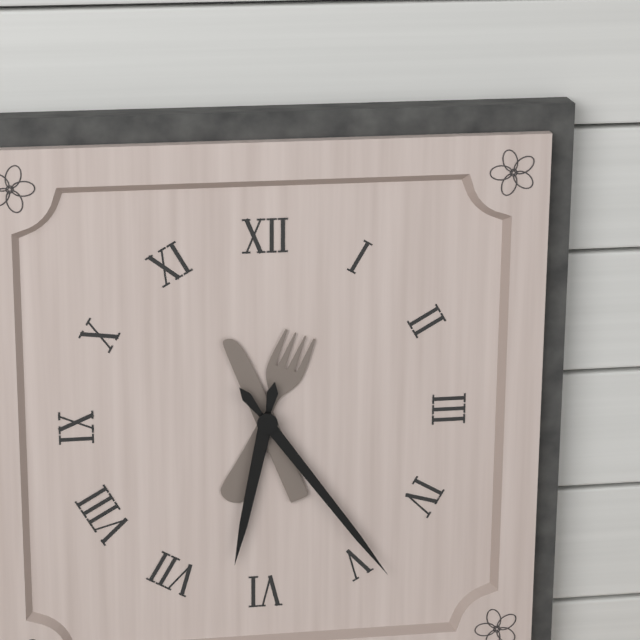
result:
6,24
